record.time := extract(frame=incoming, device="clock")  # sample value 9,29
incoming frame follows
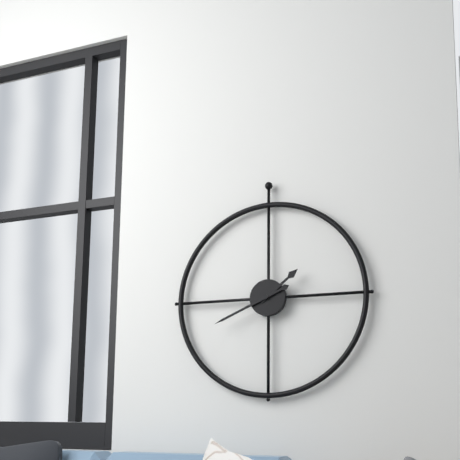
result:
1,41
